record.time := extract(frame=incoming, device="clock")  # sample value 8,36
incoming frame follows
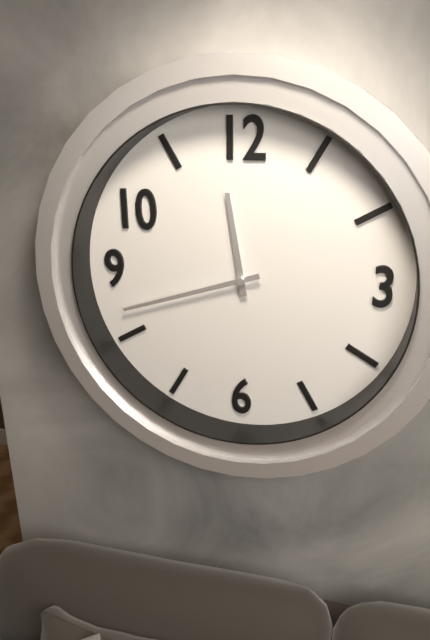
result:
11,42
